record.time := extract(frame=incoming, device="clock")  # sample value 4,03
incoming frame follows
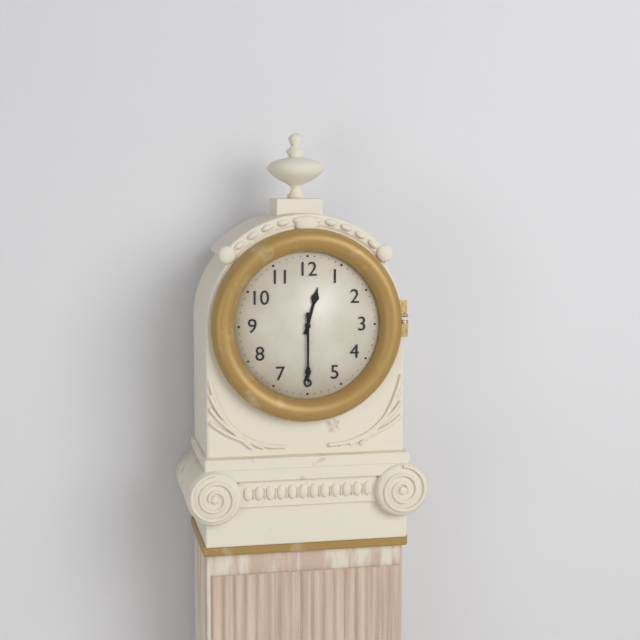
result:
12,30
